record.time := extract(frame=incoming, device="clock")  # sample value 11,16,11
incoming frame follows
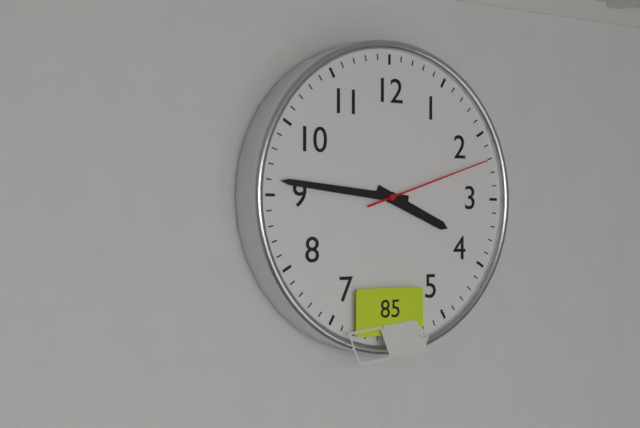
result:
3,46,12
